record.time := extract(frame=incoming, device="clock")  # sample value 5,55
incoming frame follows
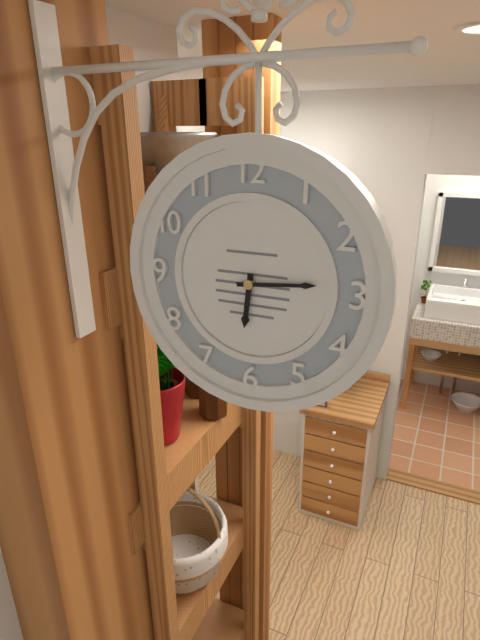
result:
6,14
